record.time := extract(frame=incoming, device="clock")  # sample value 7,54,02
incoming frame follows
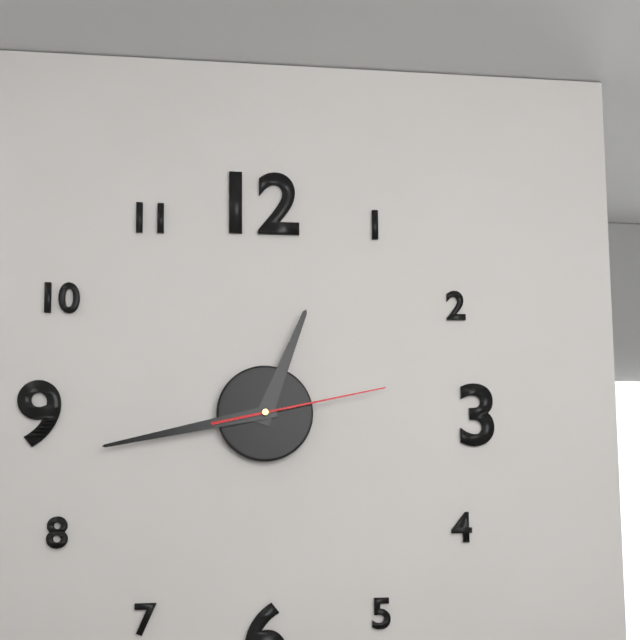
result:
12,43,13
